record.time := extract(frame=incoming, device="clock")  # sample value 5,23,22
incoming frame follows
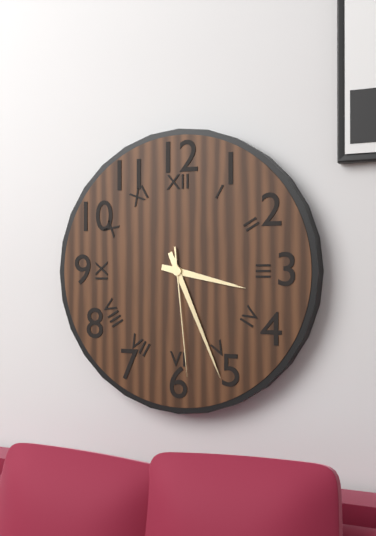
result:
3,26,29
